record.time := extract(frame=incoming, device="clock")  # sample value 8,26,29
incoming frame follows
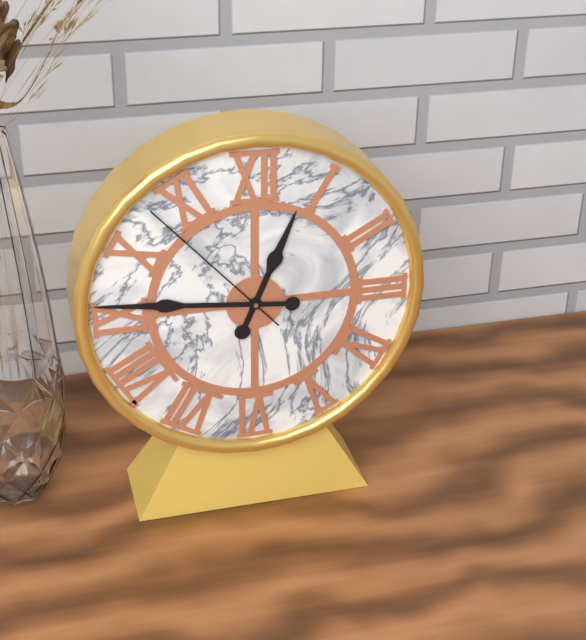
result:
12,46,53
